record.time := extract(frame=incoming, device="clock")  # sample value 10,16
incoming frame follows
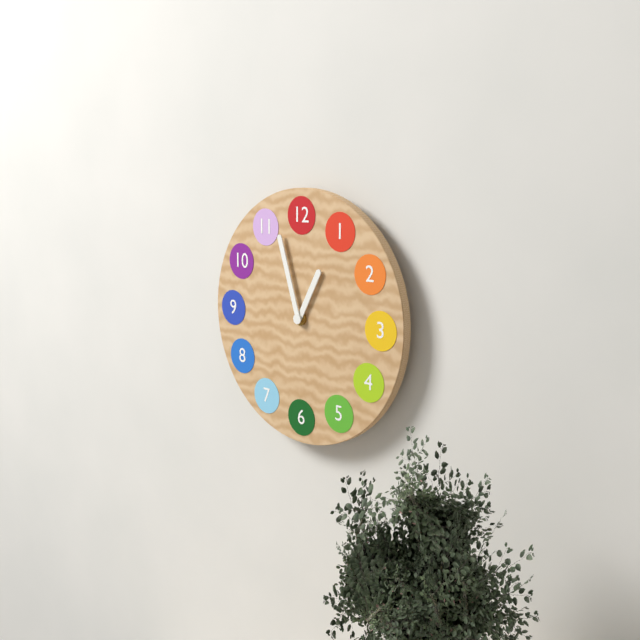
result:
12,57
